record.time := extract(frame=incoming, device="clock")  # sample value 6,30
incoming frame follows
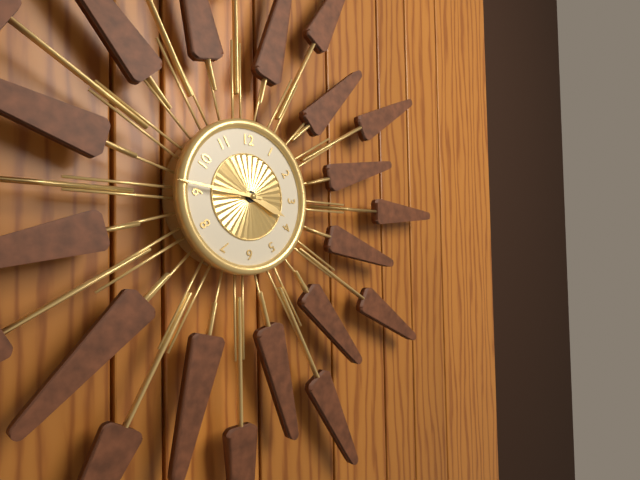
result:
3,46
